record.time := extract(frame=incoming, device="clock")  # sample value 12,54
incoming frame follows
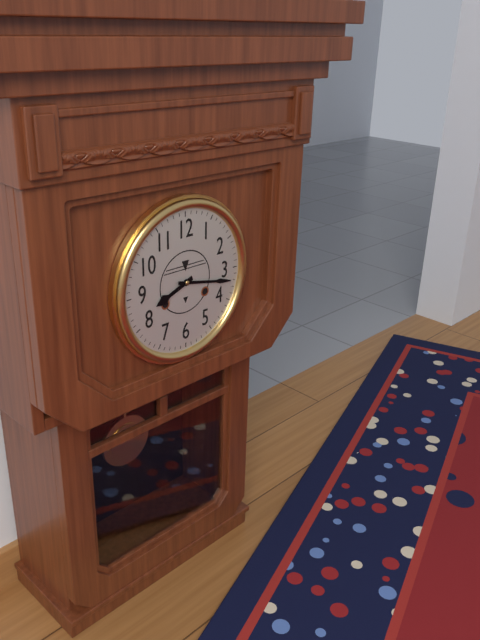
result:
8,17
